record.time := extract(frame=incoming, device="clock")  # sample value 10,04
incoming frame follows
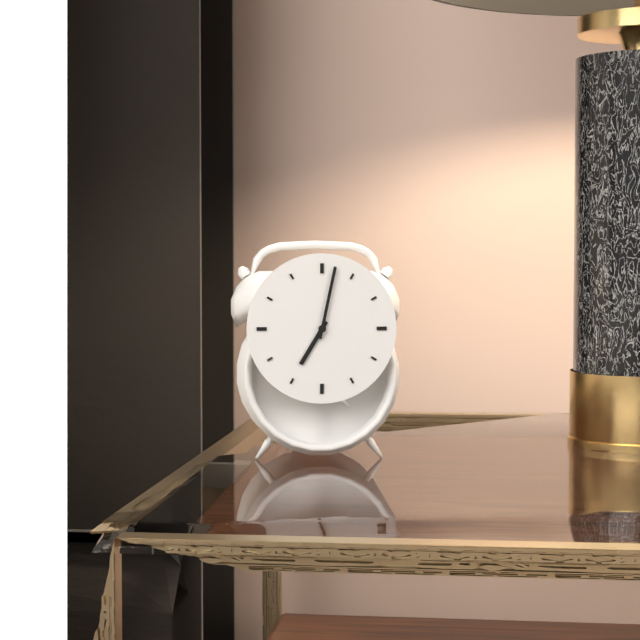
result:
7,02
